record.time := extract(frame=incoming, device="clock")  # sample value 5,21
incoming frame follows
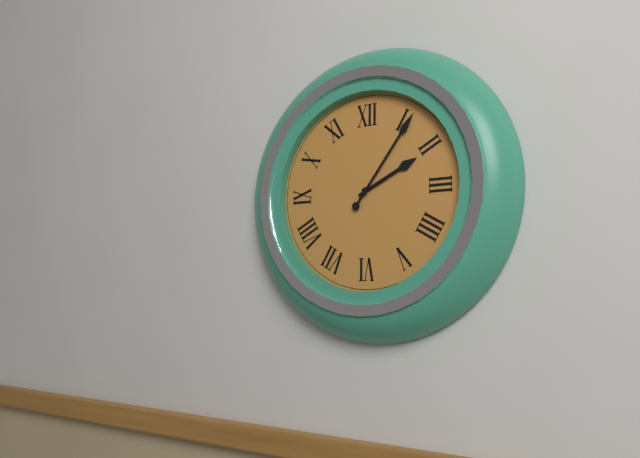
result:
2,06
